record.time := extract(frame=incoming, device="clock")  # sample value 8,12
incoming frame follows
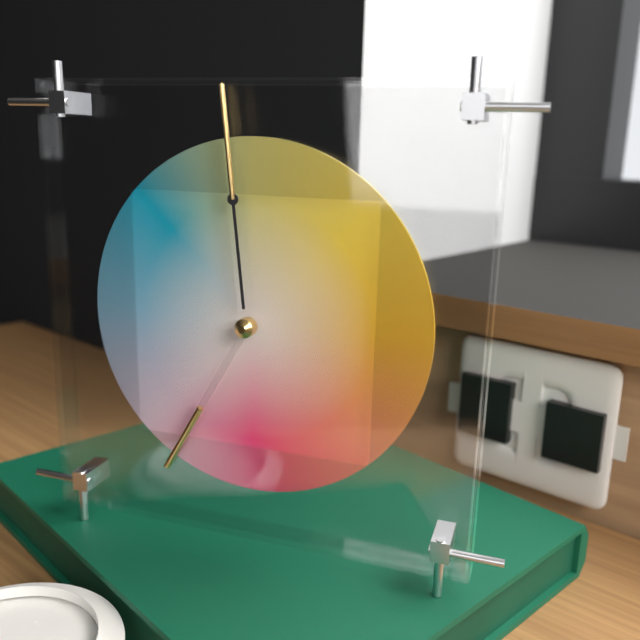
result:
6,59
